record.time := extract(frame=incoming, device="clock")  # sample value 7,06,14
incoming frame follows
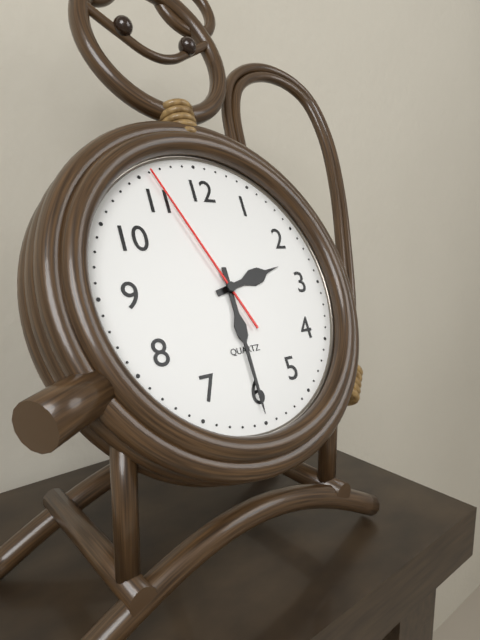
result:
2,30,56
